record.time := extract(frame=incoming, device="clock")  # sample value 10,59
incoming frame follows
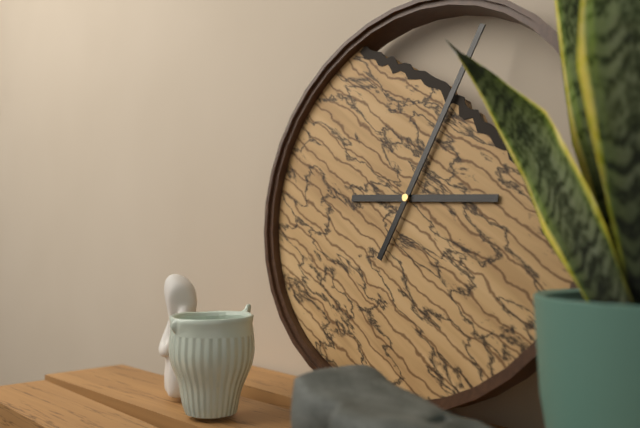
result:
3,04
